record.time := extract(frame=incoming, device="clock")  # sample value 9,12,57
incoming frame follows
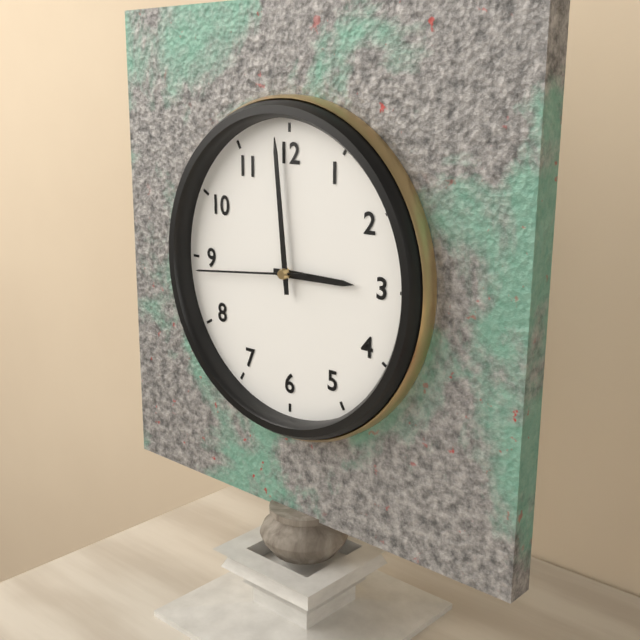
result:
2,59,44
